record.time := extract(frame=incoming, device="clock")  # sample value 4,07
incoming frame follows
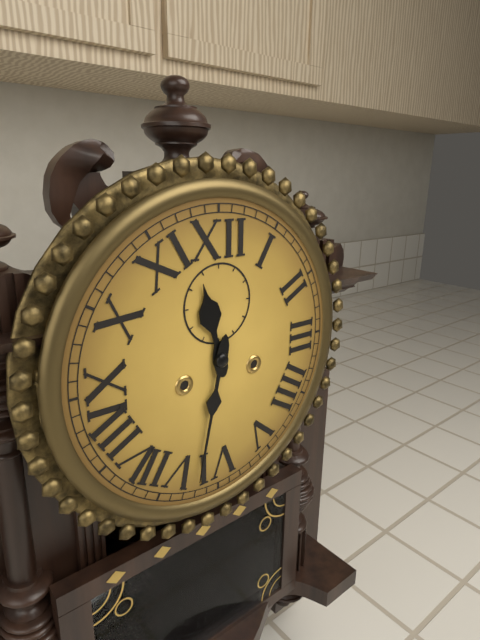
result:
11,32
